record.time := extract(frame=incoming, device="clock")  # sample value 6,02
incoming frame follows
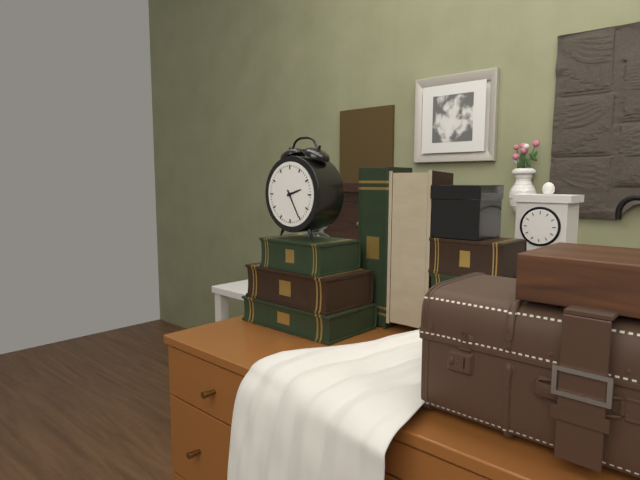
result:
2,25
